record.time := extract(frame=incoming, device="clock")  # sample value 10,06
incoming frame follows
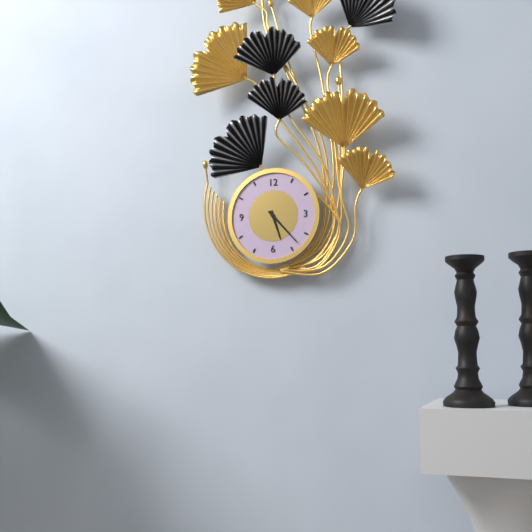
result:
5,23
